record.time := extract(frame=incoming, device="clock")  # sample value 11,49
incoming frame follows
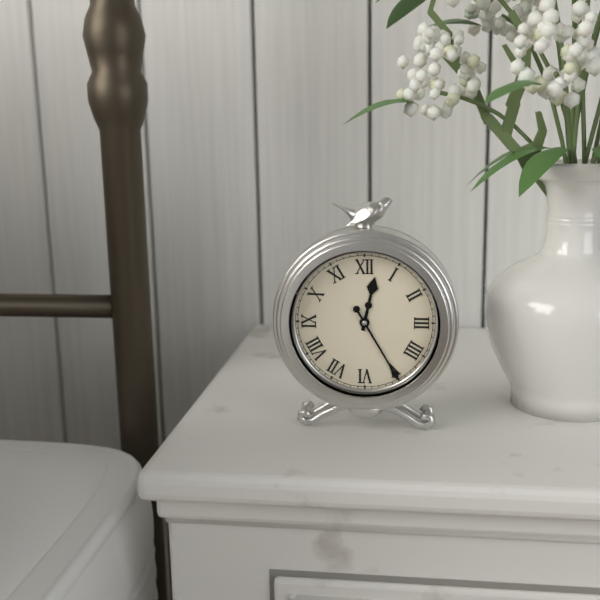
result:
12,25
